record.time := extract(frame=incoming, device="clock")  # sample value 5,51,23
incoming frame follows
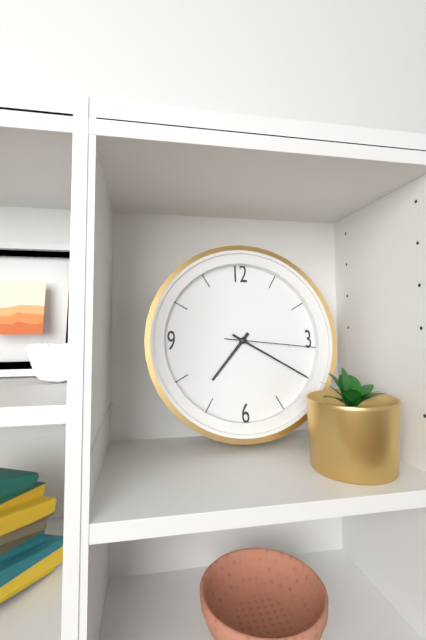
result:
7,20,16
